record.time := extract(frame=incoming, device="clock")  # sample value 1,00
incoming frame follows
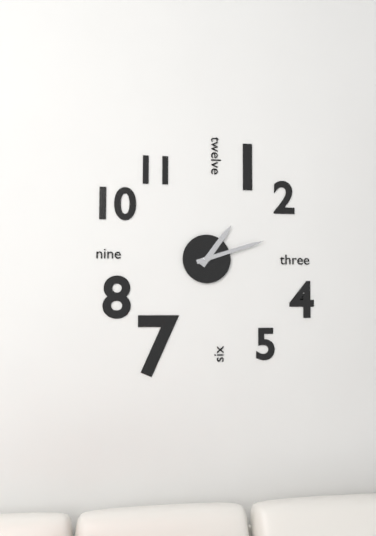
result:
1,12
